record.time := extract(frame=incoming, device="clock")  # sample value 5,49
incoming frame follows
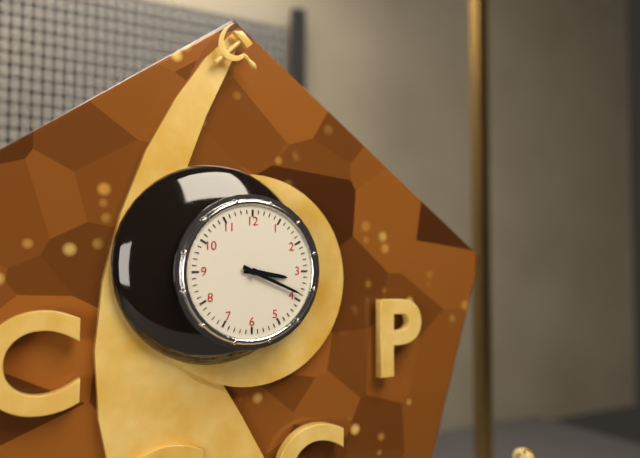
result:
3,19
